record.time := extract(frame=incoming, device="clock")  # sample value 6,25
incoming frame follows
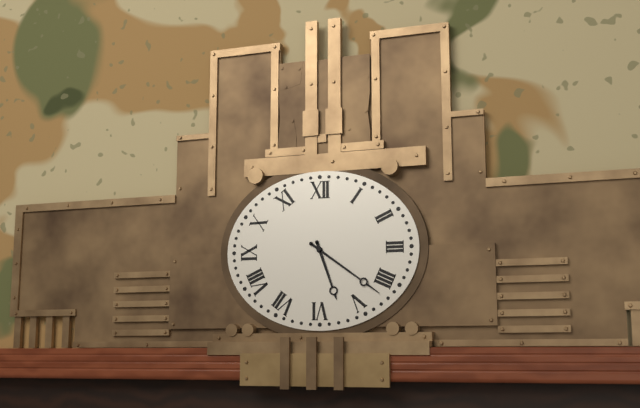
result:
5,21
